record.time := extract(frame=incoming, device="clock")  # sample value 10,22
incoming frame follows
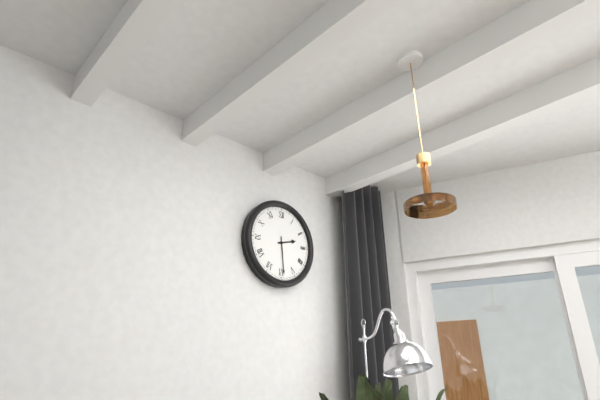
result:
2,29
